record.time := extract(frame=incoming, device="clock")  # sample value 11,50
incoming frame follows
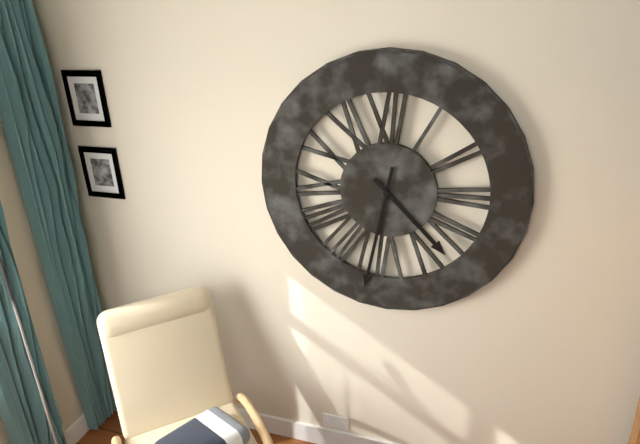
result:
4,32
